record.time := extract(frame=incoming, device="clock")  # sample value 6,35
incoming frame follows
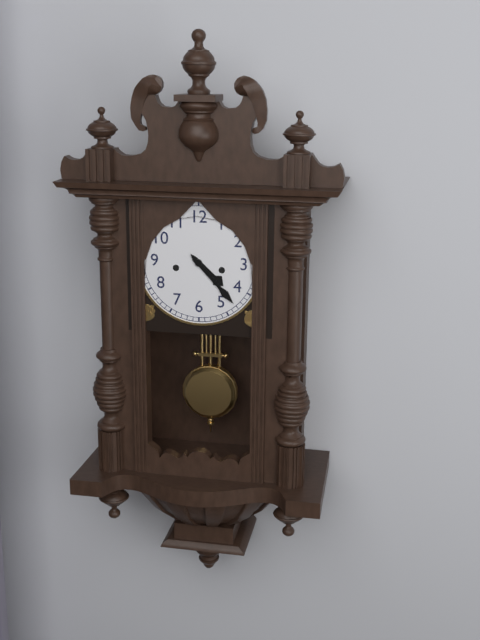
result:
4,23
